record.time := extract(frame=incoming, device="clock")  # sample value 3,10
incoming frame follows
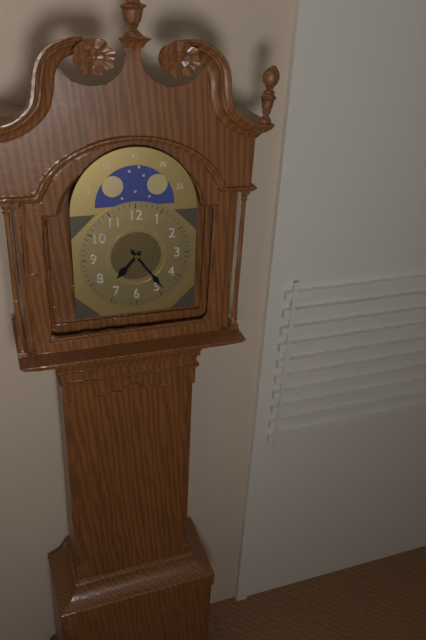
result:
7,24
